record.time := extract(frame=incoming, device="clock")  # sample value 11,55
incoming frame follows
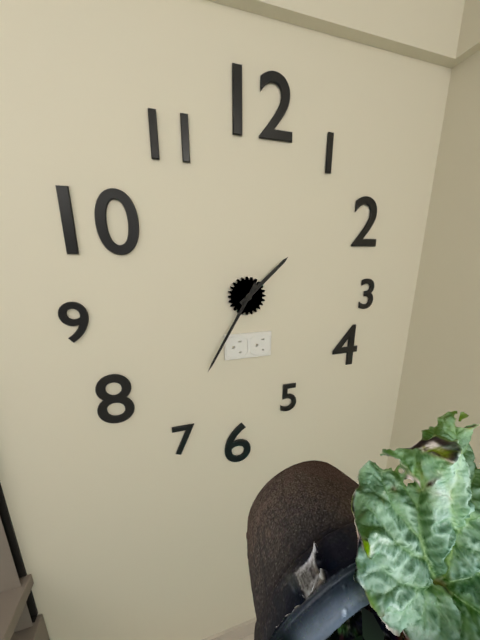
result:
1,35
